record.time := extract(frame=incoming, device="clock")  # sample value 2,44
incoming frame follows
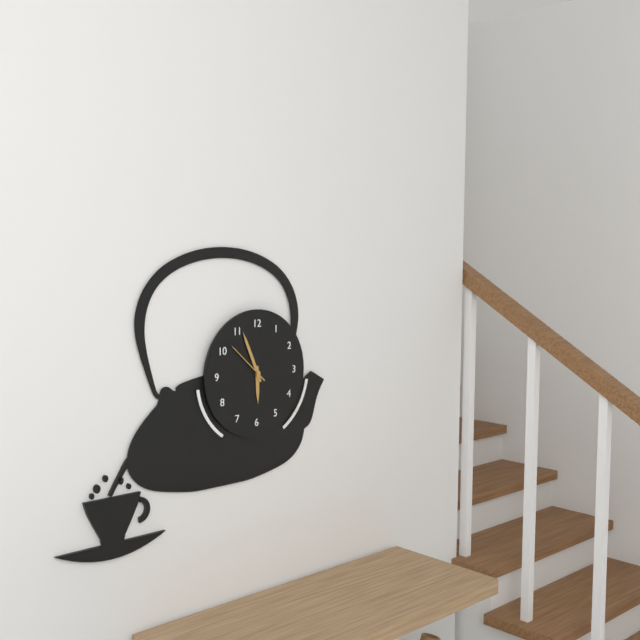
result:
5,56
